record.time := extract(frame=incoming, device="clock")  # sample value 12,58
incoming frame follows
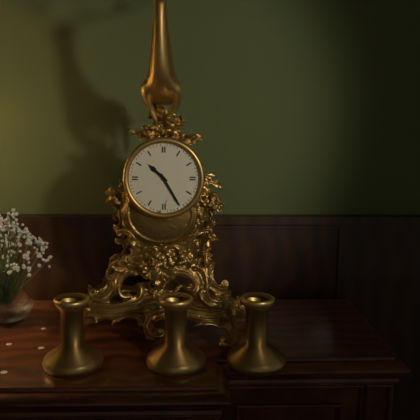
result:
10,25
